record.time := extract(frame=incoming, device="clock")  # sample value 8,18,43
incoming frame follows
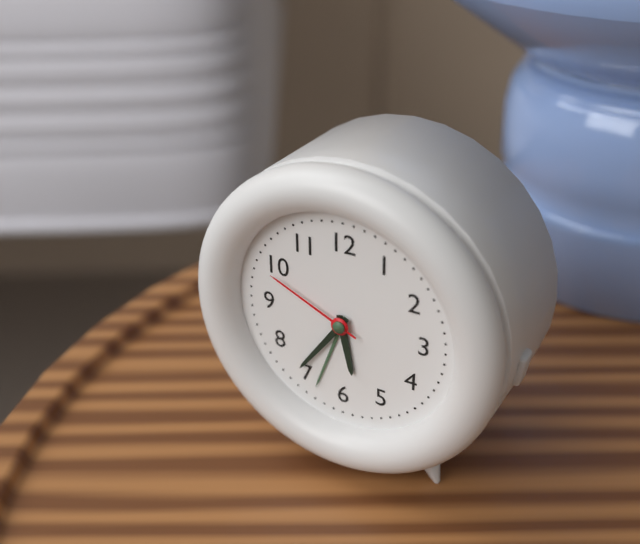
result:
5,36,49
